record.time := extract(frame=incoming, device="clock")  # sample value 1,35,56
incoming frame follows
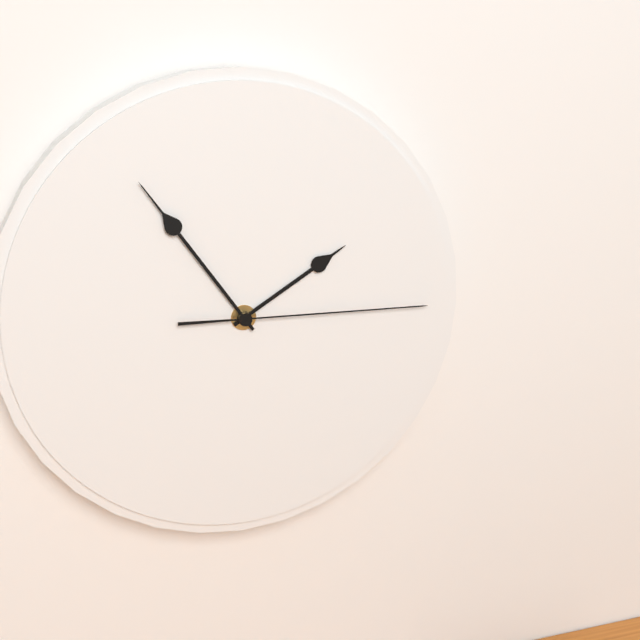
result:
1,54,15
